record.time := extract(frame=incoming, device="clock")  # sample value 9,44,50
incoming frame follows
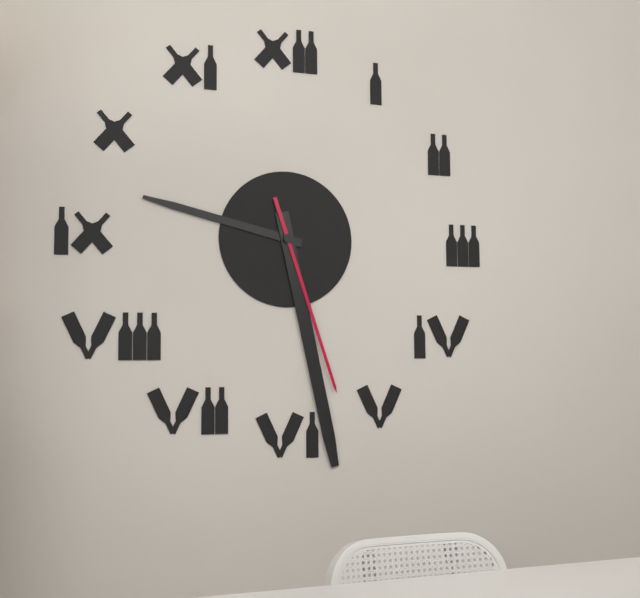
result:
9,28,27
